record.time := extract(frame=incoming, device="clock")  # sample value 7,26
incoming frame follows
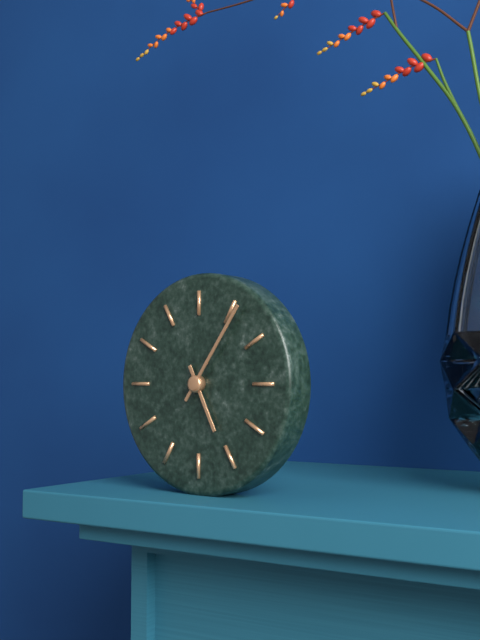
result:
5,06
